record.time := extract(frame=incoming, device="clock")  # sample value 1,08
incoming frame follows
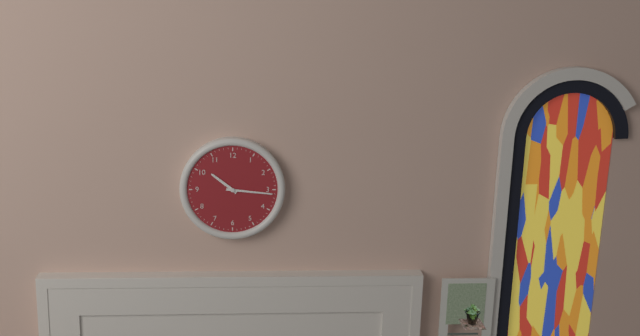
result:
10,16
